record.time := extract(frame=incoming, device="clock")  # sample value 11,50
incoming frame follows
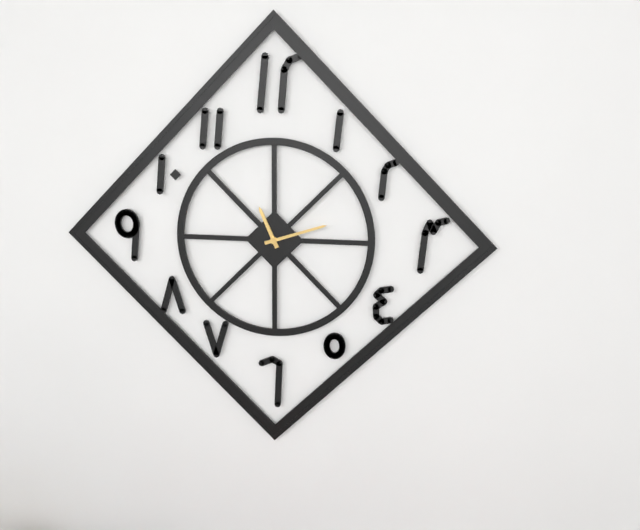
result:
11,12
